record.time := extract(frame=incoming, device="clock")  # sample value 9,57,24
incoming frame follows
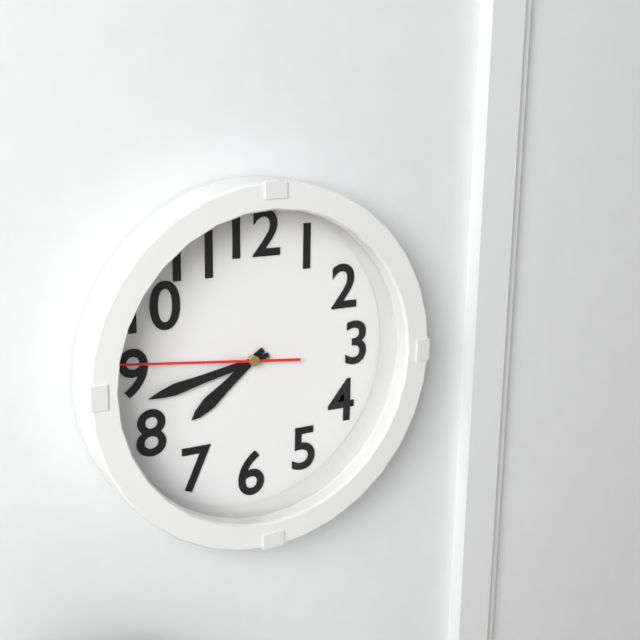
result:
7,43,46
